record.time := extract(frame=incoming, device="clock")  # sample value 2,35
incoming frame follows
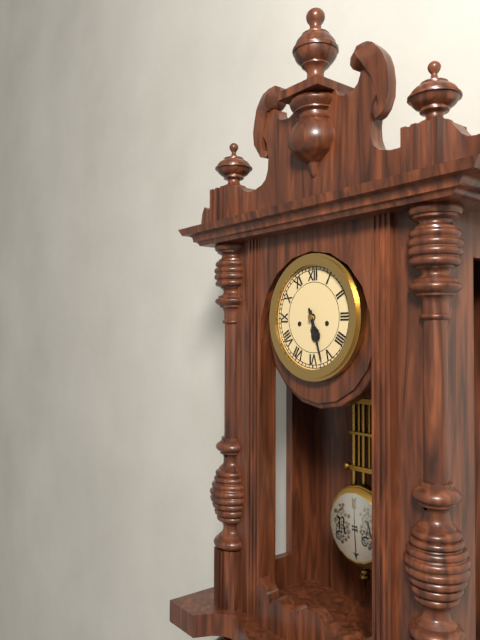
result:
5,27
